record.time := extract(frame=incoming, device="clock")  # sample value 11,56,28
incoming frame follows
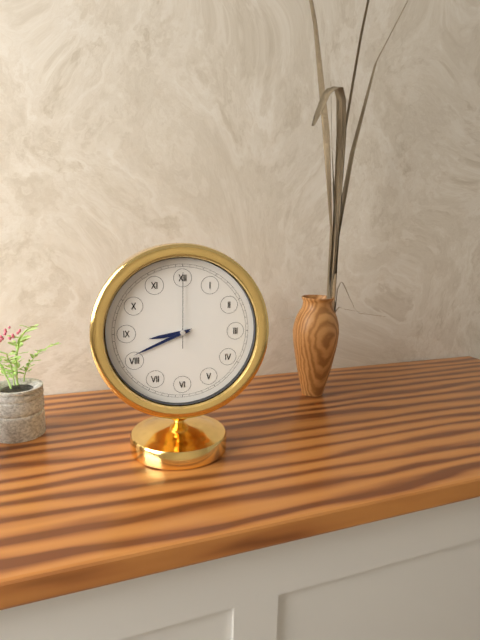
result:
8,41,00
